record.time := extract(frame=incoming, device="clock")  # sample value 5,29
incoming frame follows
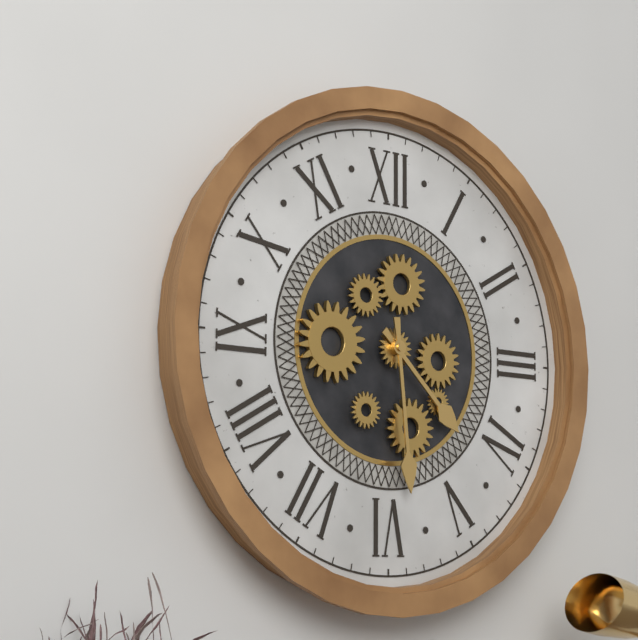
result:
4,29
